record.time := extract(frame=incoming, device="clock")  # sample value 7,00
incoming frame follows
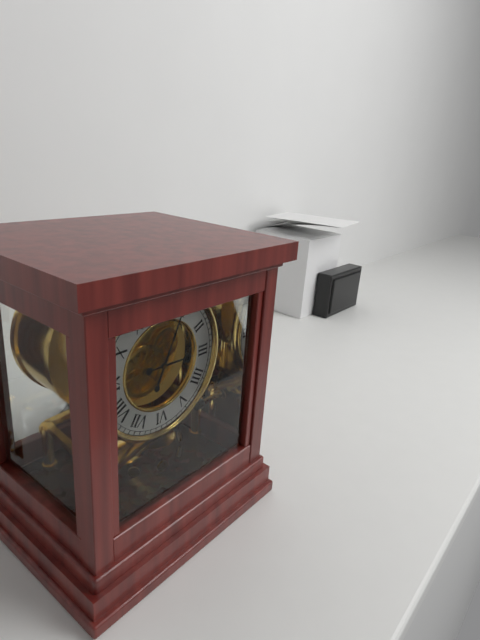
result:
3,04
